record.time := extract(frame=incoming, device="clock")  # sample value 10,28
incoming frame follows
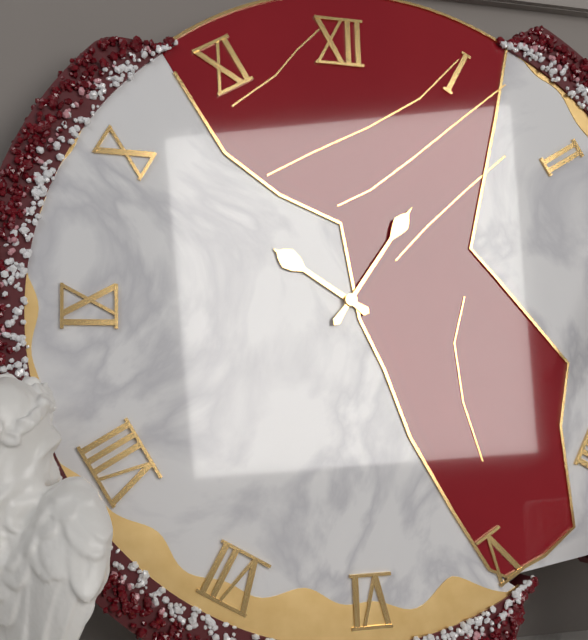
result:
10,06
